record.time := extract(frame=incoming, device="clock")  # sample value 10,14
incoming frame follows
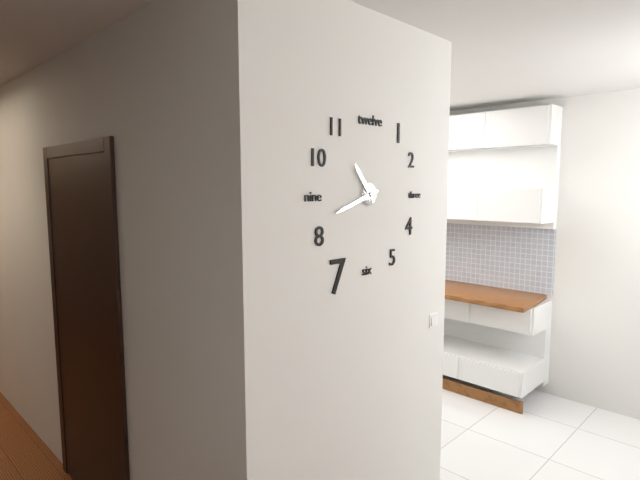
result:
10,42
